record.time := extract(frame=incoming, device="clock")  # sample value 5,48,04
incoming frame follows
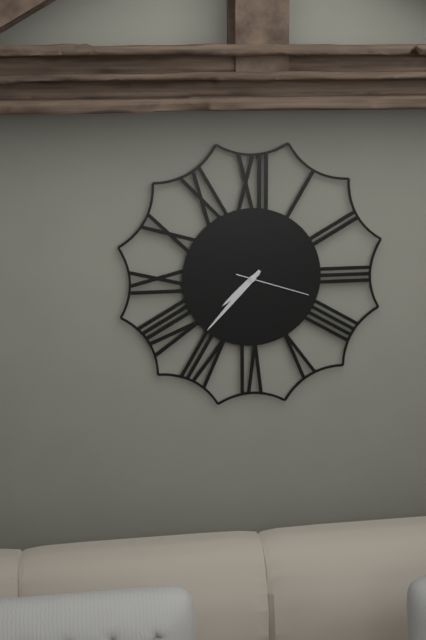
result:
7,37,18
